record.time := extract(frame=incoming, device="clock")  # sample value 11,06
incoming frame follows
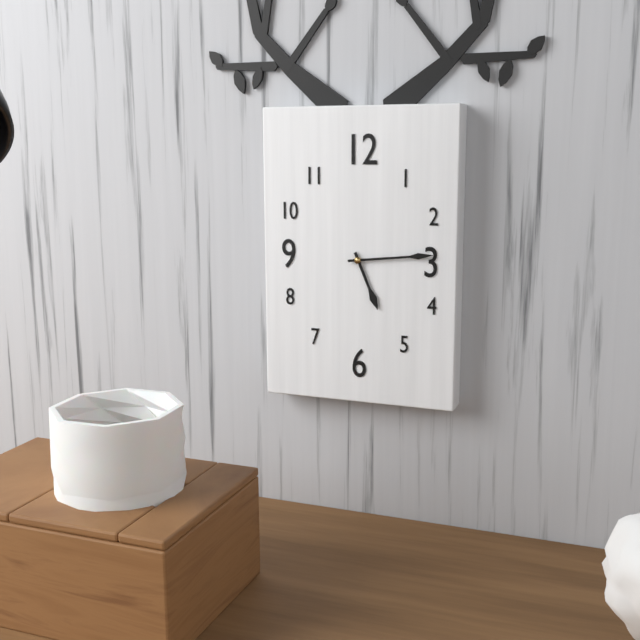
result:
5,14
